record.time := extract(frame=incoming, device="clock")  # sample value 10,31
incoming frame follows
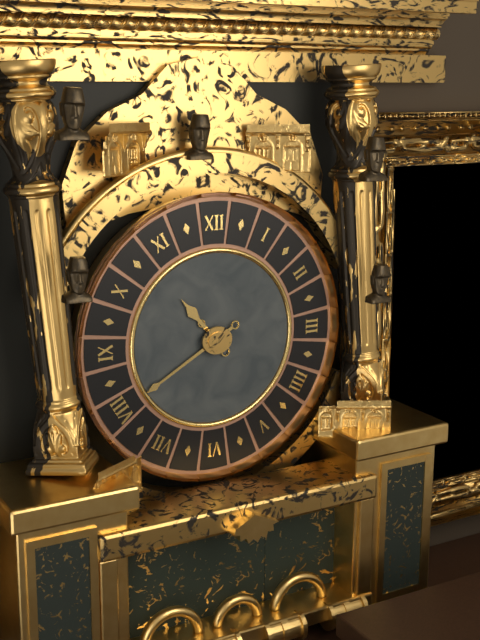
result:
10,40
